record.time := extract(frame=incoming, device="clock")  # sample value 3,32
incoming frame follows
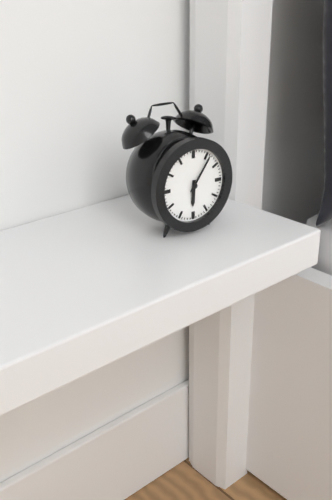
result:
6,06
